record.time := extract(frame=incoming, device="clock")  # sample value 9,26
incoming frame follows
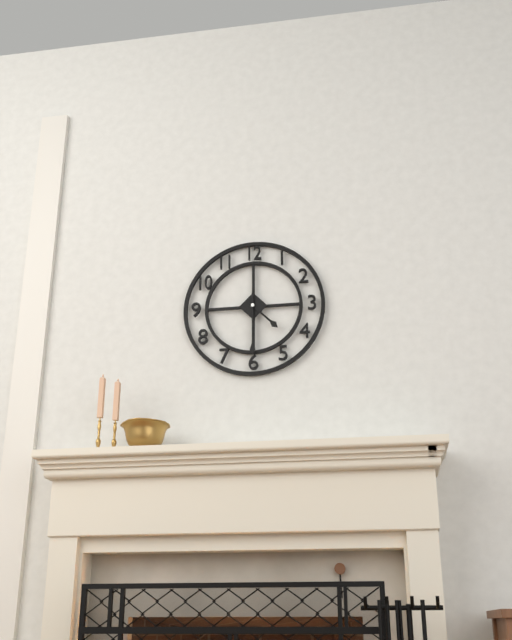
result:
4,30
